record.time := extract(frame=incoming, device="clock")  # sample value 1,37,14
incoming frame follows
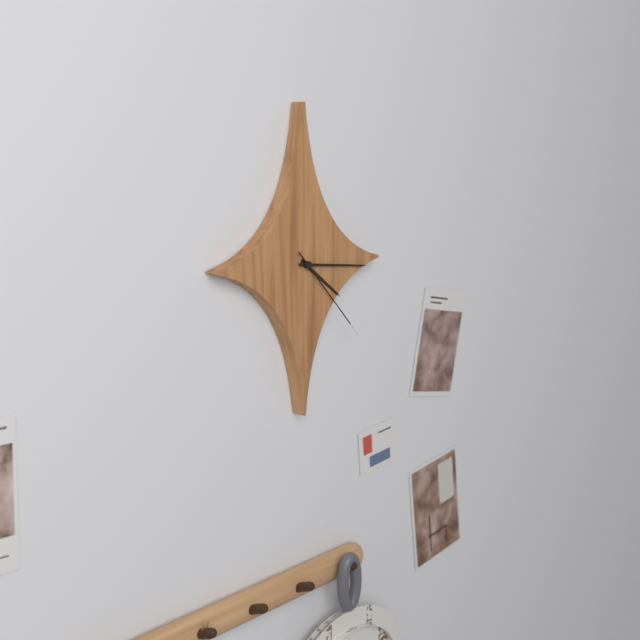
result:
4,16,23
